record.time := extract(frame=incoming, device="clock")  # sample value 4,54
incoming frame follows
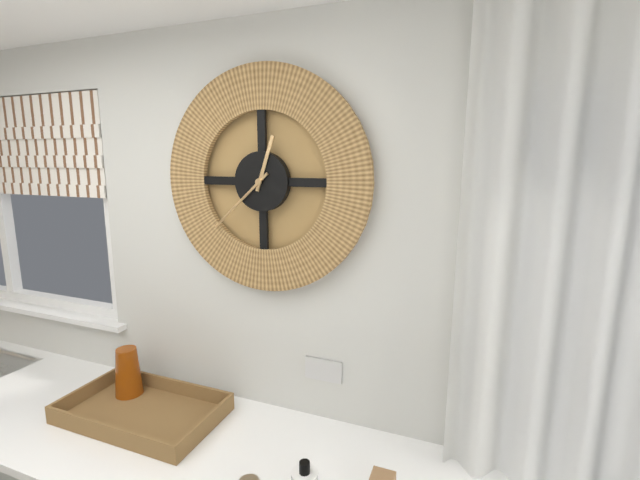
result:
12,38
